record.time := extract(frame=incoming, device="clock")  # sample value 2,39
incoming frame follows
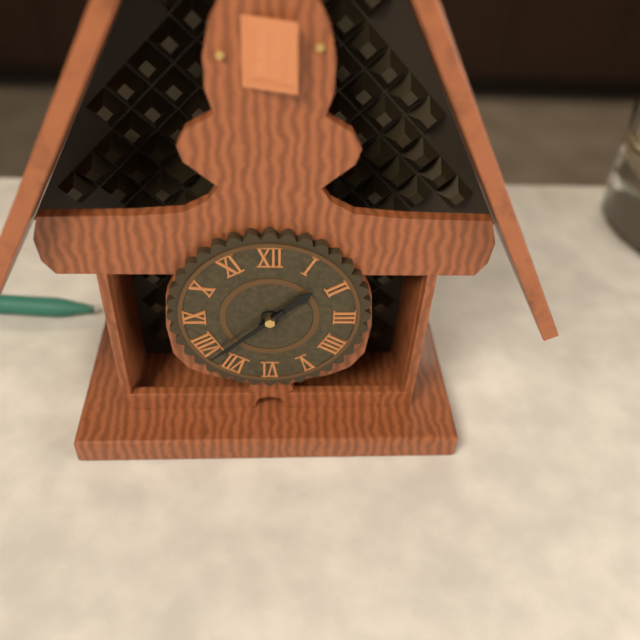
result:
1,38
